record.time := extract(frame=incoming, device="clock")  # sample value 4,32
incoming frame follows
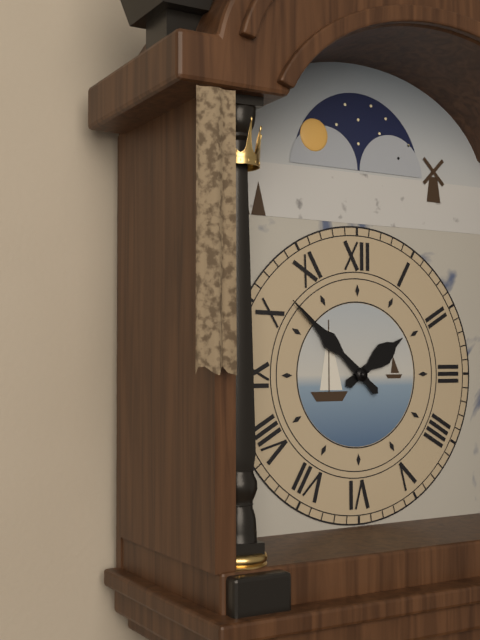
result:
1,52
